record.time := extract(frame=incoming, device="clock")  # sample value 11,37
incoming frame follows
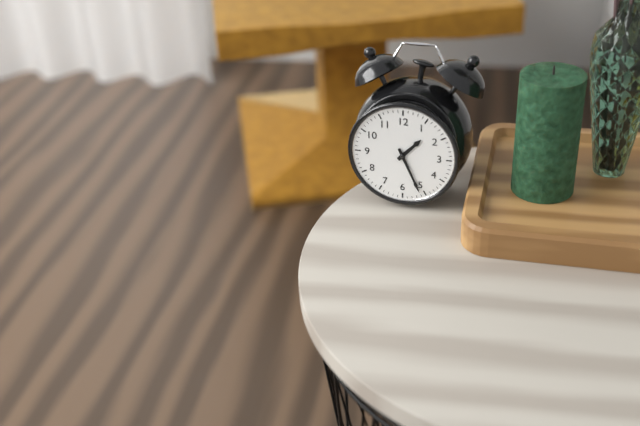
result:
1,26
